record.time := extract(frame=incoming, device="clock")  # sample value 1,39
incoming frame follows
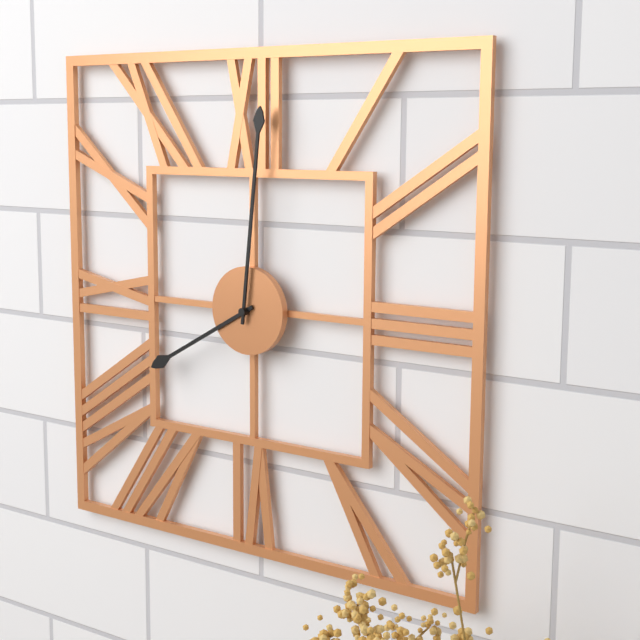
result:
8,01
